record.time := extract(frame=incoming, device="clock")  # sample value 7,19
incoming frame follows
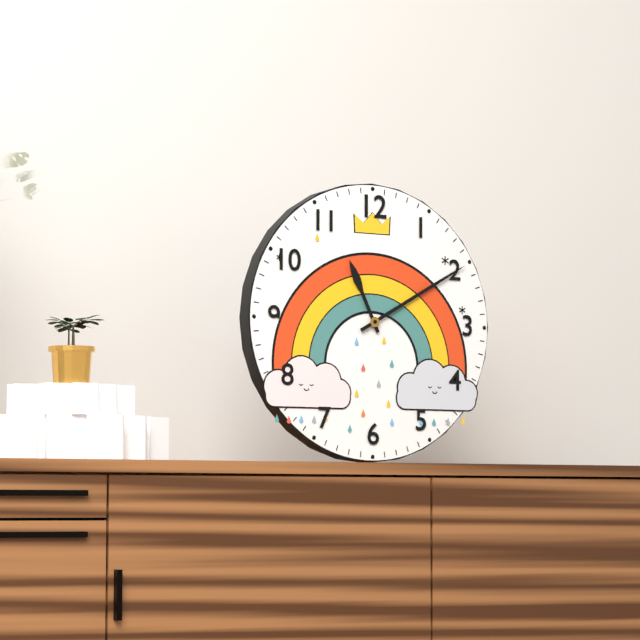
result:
11,10
